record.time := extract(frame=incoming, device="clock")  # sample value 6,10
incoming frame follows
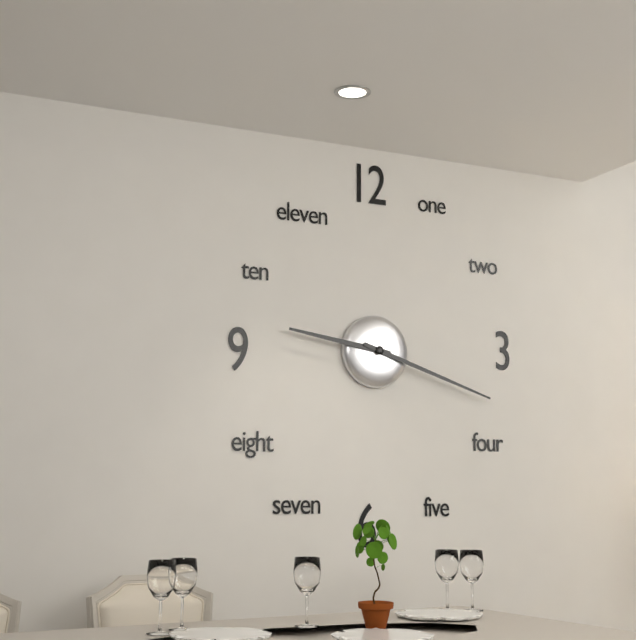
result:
9,18
